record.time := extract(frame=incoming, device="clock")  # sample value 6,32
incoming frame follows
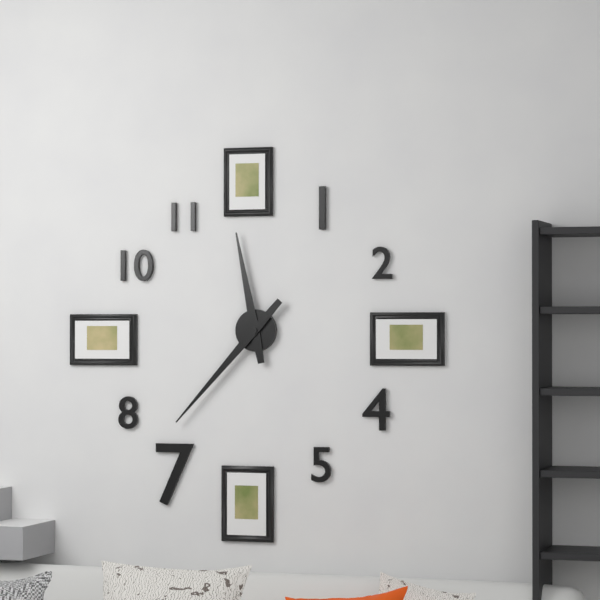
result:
11,37
